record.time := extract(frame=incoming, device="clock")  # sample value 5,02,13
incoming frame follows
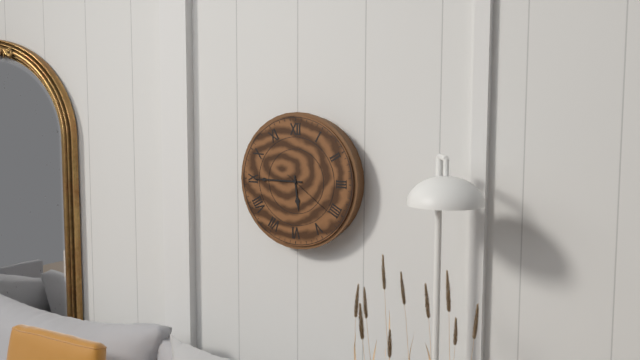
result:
5,45,21
